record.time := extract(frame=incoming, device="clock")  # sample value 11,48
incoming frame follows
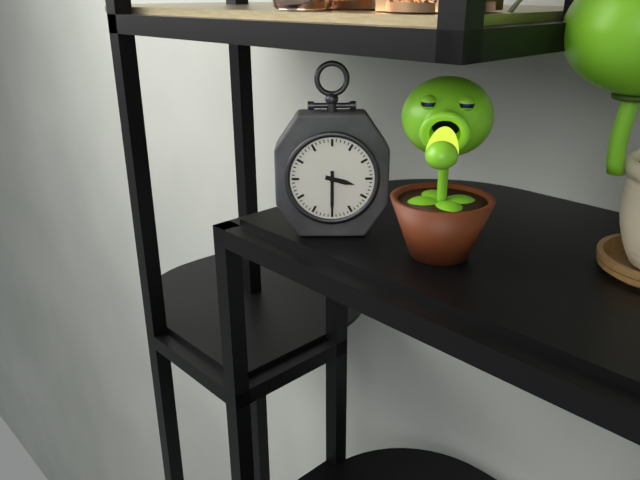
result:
3,30
